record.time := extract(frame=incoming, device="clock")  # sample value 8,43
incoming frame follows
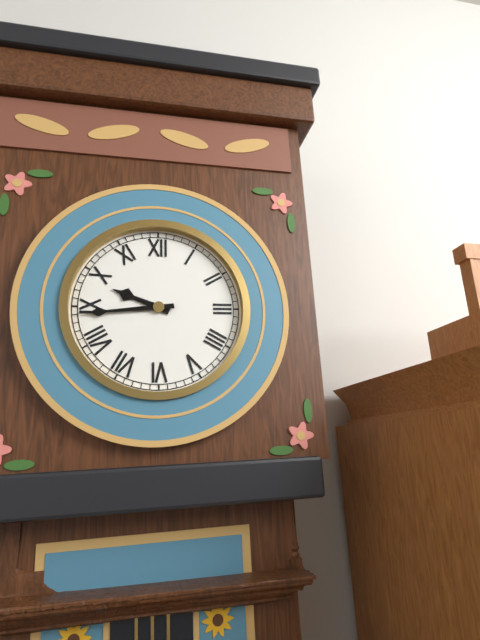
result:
9,44
